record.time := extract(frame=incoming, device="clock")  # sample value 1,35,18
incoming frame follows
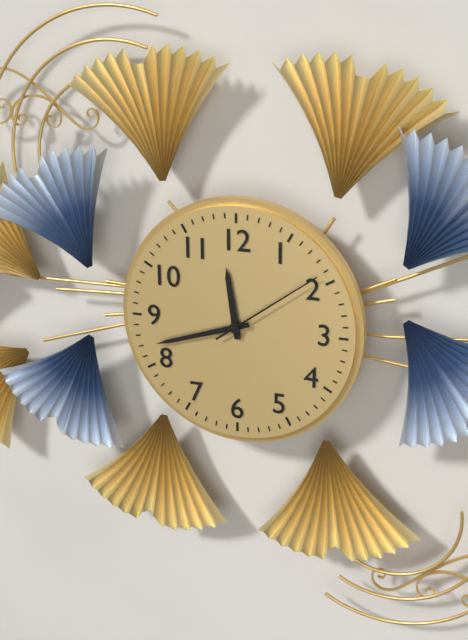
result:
11,42,09
